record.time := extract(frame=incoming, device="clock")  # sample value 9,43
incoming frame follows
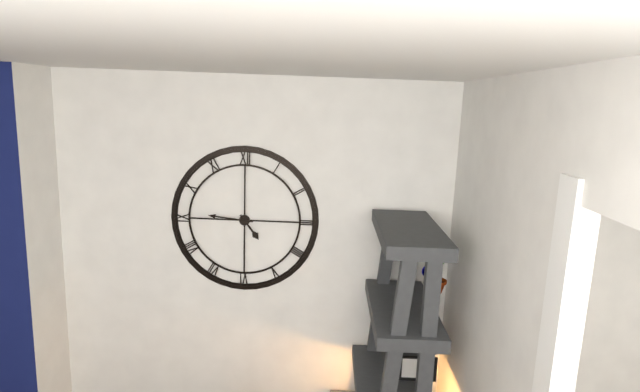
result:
4,46
